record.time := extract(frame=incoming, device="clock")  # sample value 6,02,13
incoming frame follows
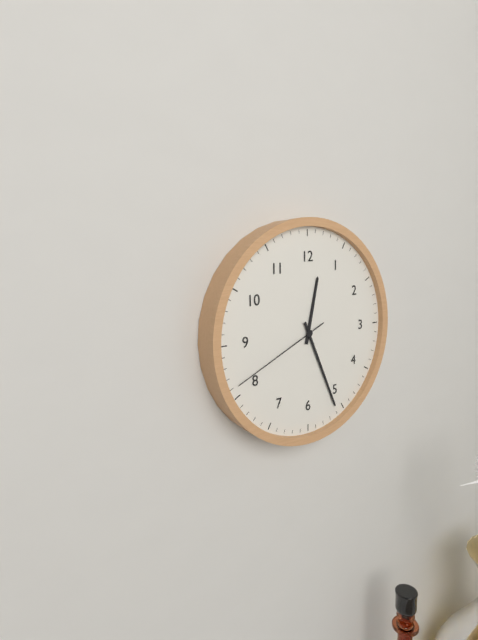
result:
12,26,41
